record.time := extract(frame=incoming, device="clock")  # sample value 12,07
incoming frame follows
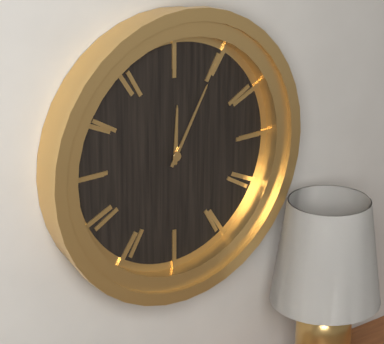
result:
12,05
